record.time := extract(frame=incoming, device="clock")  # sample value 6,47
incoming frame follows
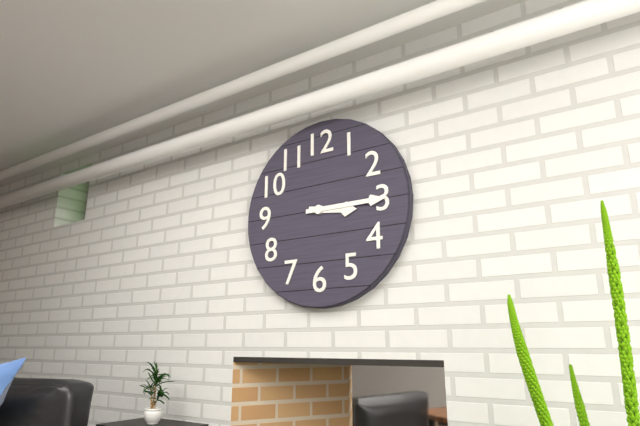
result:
3,15
